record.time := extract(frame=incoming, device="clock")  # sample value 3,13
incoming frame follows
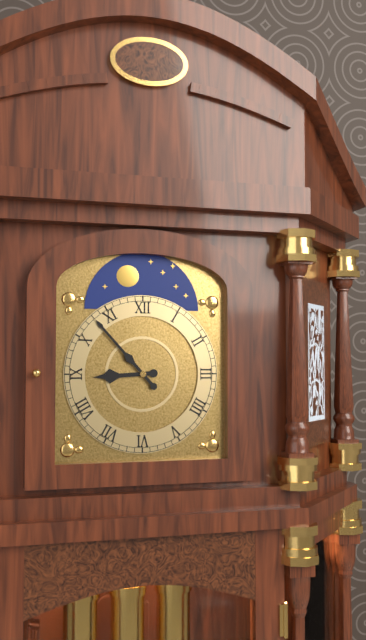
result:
8,53
